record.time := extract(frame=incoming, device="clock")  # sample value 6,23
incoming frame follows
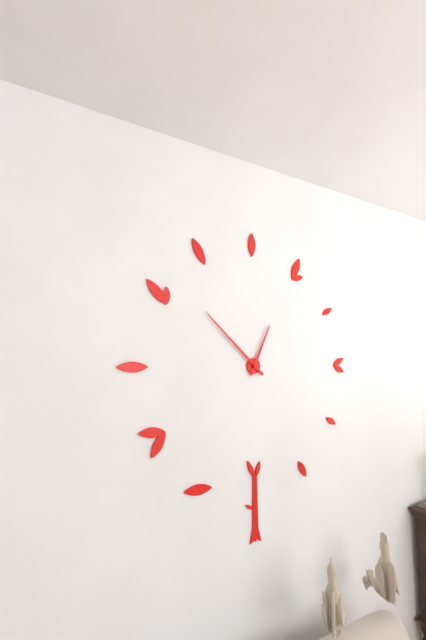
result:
12,52
